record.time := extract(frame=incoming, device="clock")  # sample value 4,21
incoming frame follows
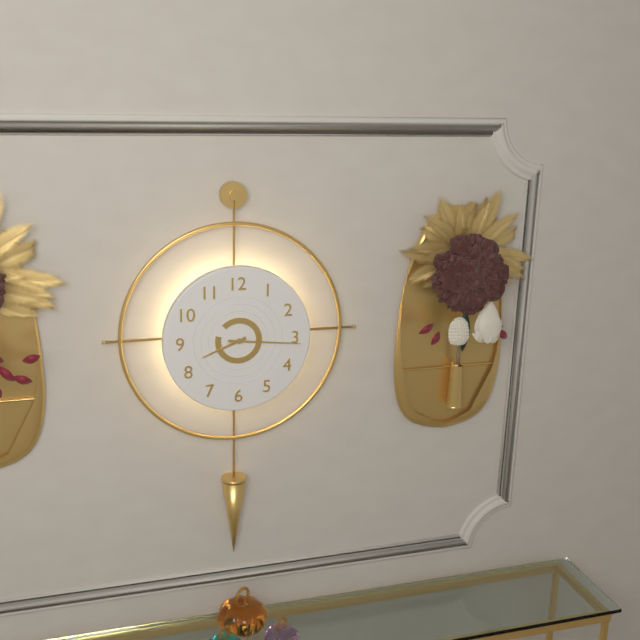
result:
8,16
